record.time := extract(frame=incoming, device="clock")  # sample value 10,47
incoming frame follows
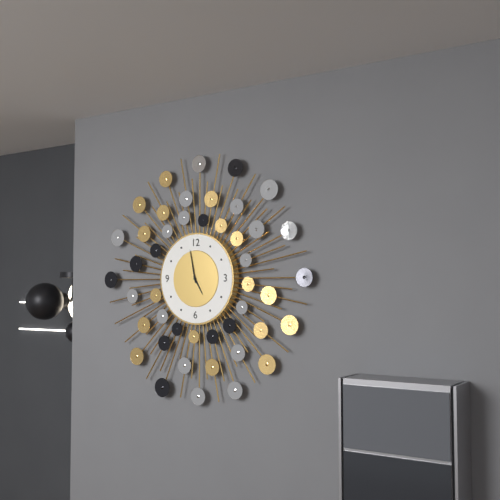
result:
4,58
